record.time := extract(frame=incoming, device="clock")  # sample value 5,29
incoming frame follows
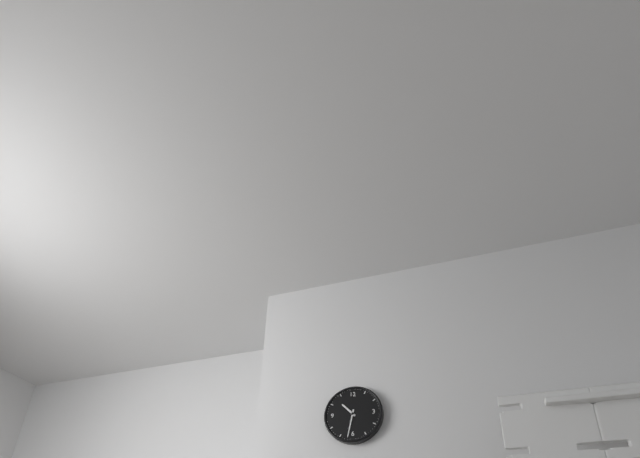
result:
10,32
